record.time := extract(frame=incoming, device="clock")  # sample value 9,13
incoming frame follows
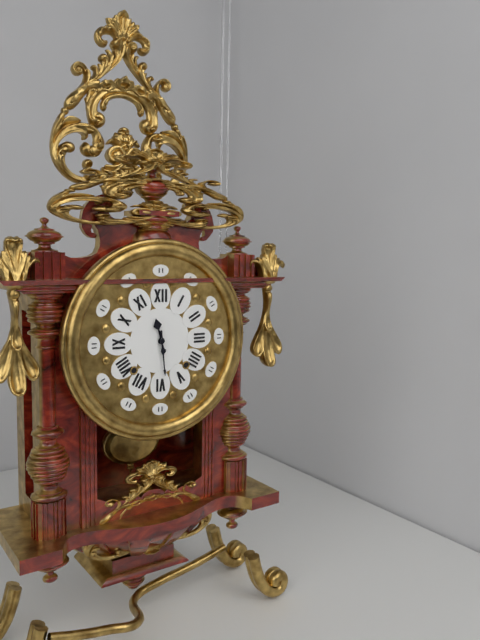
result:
11,29
